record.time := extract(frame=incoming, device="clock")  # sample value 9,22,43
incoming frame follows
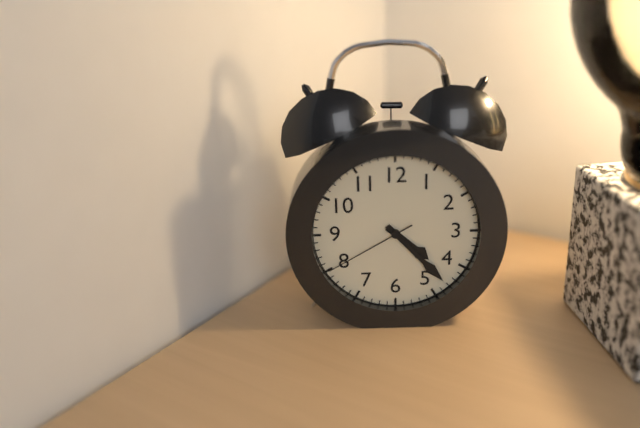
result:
4,23,40
